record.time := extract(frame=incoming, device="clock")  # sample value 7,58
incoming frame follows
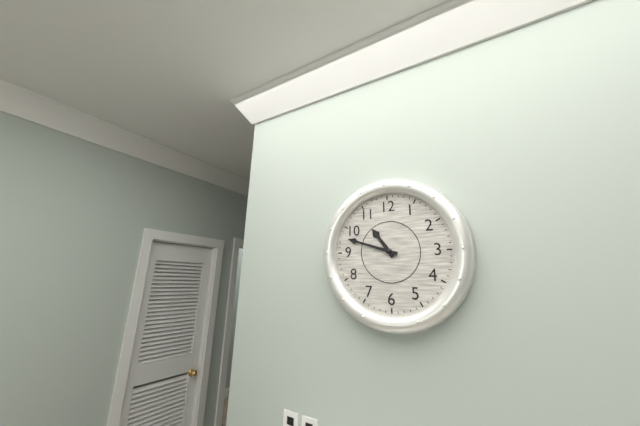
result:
10,48
